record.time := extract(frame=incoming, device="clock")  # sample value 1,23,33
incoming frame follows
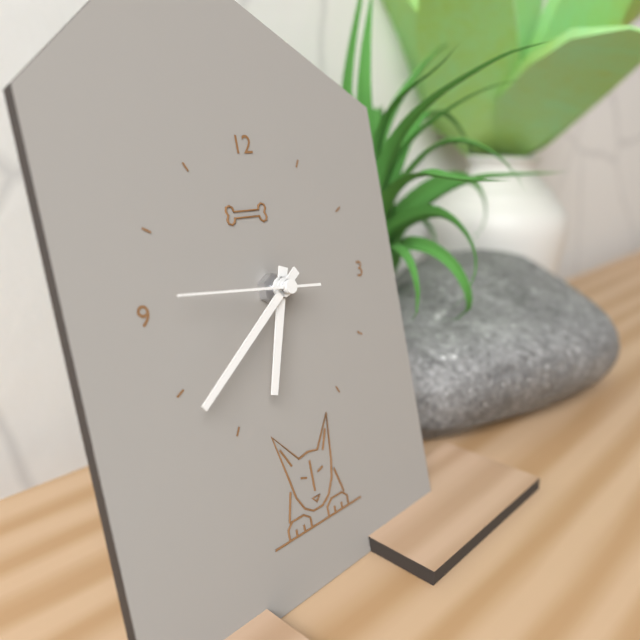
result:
6,39,46
